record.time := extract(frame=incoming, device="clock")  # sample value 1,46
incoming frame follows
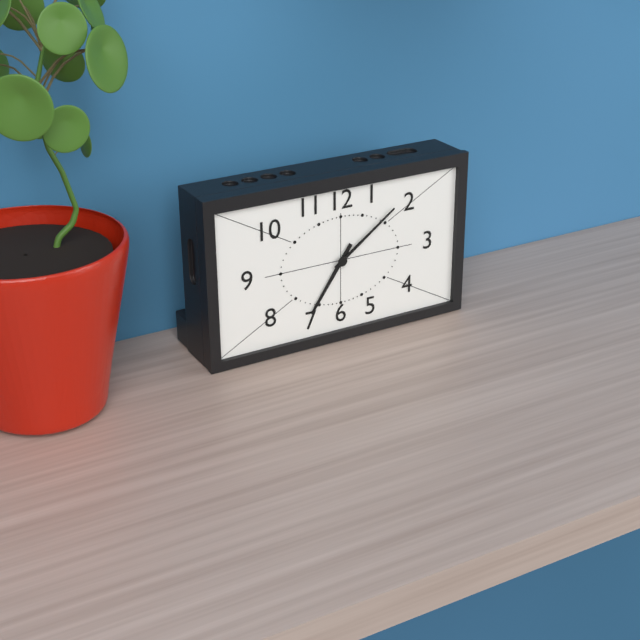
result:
7,09
